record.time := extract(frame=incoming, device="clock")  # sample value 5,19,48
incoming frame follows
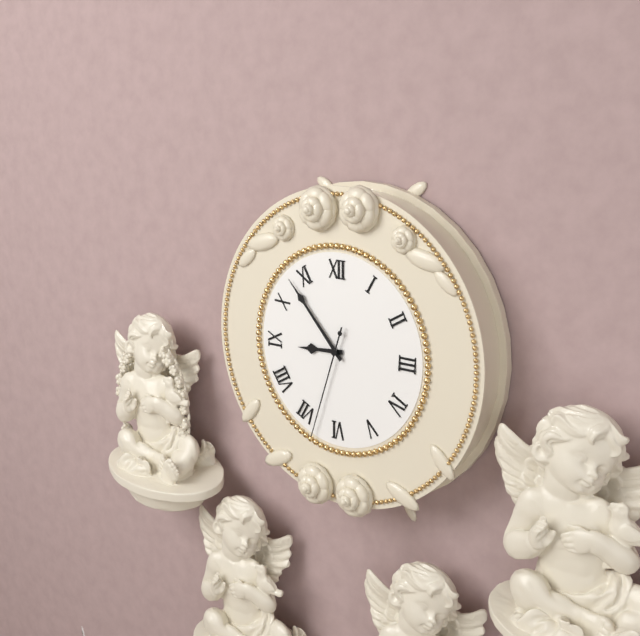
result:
8,53,33
